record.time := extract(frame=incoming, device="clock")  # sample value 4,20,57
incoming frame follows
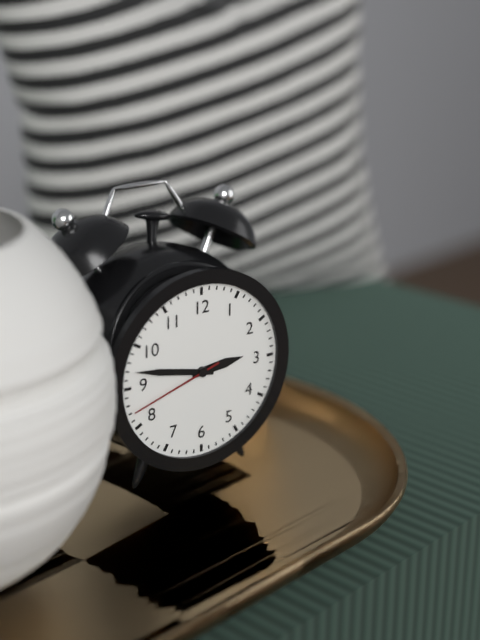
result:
2,47,42
